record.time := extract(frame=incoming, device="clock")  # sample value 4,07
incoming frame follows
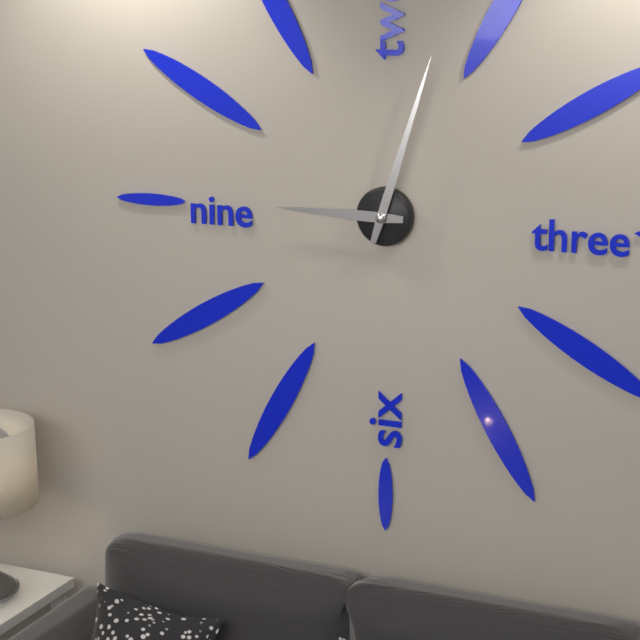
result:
9,03
